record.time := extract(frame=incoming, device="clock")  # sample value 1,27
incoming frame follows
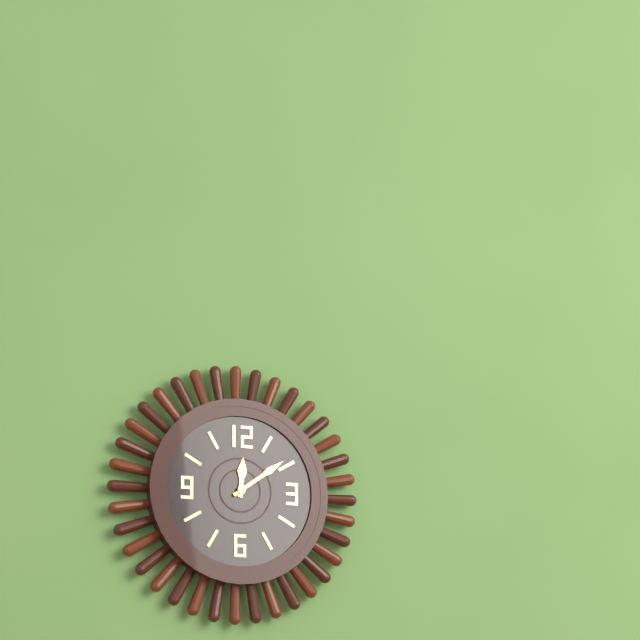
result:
12,09
